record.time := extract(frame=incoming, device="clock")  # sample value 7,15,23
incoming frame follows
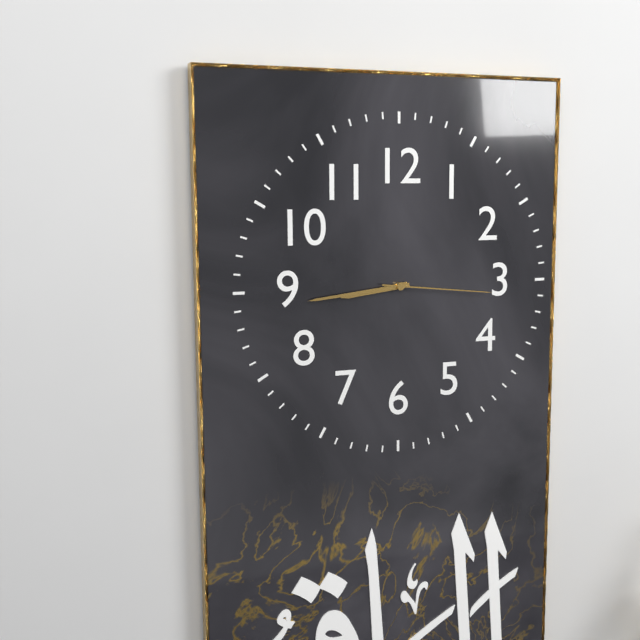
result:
8,44,16
